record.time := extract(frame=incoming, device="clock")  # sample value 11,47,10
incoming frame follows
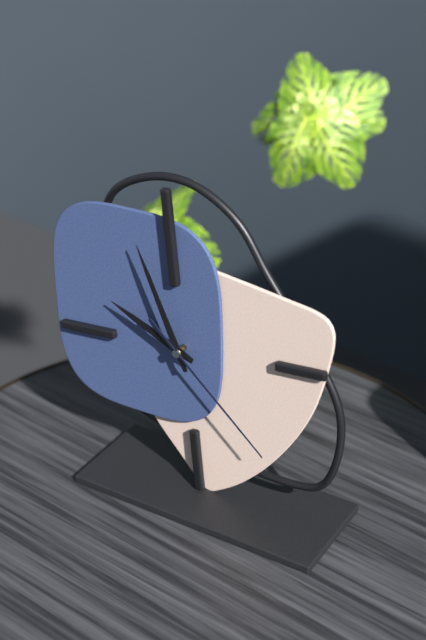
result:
9,57,23
